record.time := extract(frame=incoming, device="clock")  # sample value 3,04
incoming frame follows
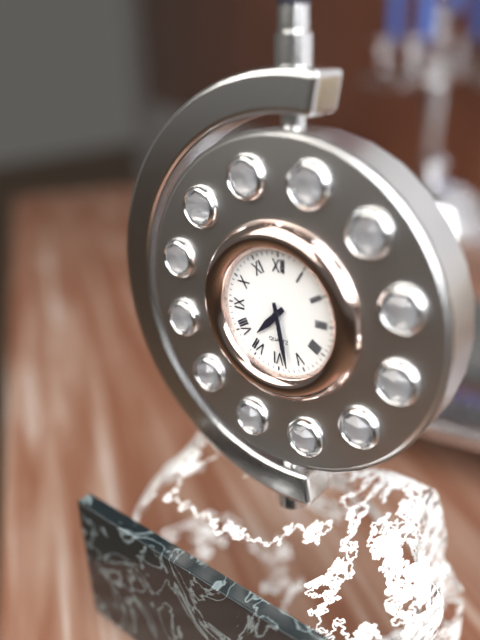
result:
7,28
